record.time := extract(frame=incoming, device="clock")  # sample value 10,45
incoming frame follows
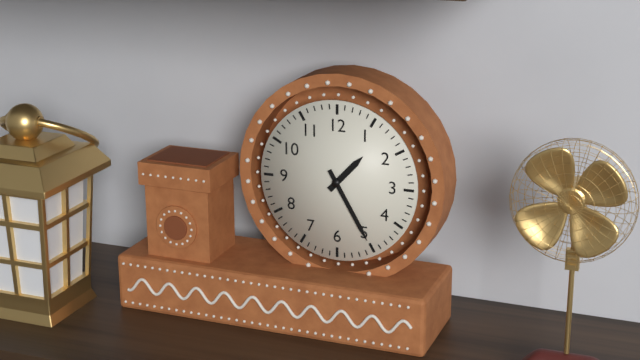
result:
1,25
